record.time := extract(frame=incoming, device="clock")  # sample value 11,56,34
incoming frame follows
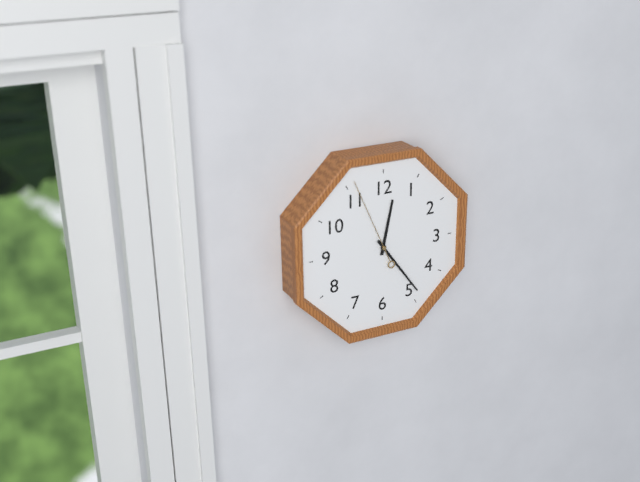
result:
12,24,56
